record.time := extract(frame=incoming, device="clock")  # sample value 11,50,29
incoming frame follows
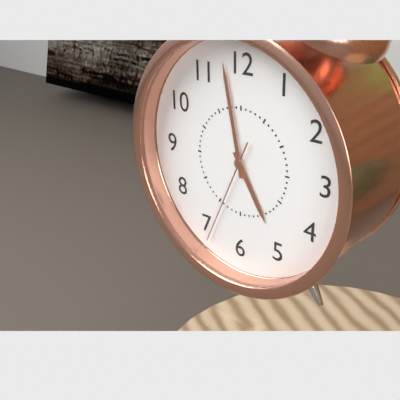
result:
4,58,34
